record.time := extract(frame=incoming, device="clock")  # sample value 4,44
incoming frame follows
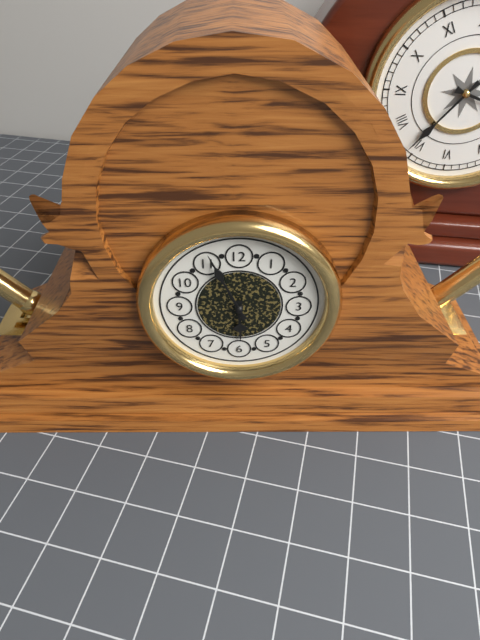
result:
5,56
